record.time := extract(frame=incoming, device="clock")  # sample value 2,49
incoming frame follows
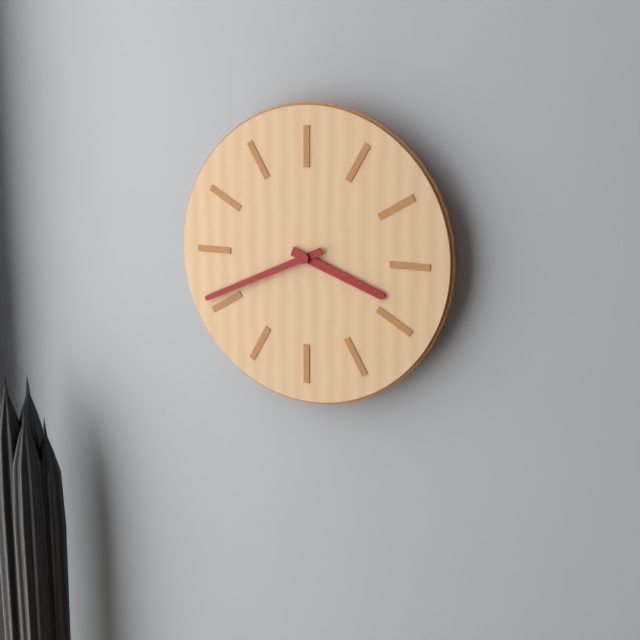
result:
3,41
